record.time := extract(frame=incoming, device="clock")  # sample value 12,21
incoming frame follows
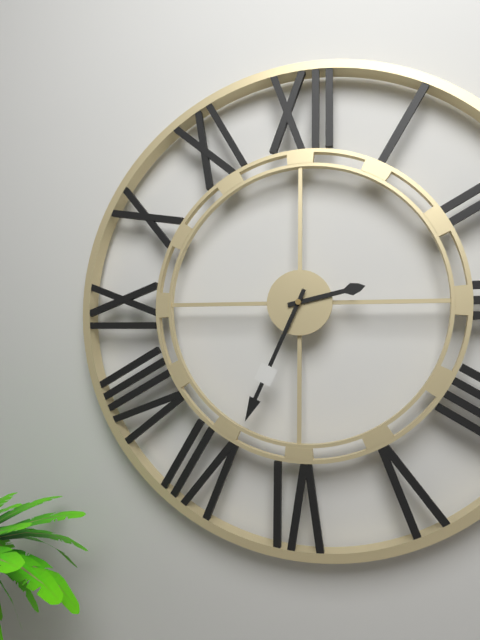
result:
2,34
